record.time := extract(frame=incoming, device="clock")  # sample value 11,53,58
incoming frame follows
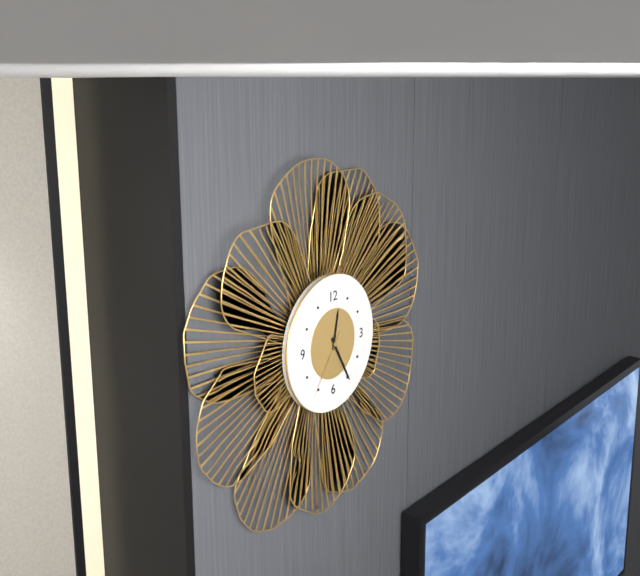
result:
12,25,36
